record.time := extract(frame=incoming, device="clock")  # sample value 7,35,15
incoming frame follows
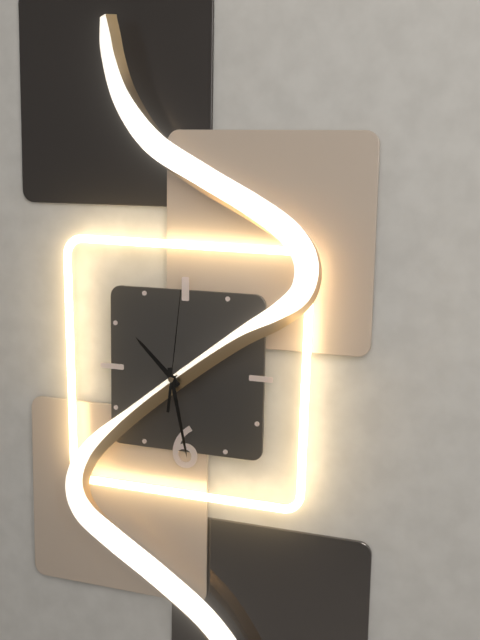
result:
10,28,01
